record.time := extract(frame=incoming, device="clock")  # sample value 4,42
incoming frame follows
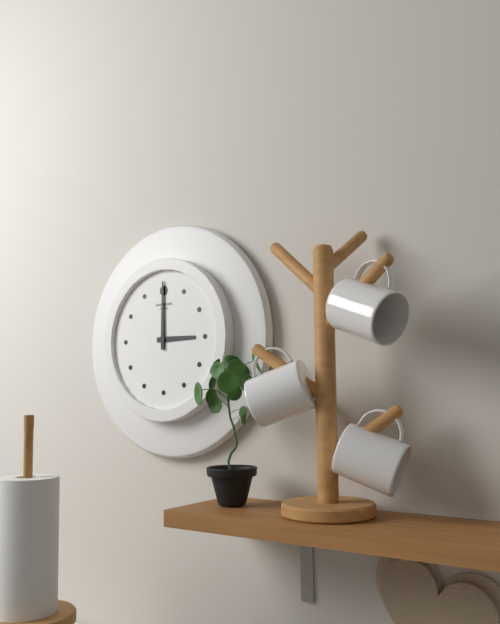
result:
3,00
